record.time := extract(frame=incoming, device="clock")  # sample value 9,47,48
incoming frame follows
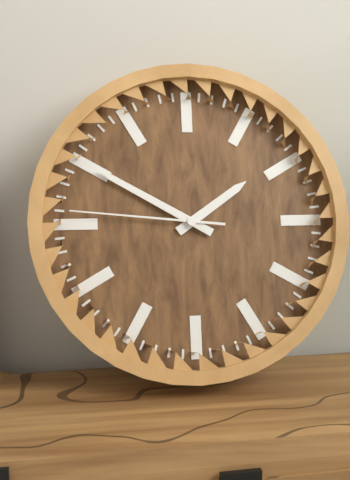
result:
1,50,46
